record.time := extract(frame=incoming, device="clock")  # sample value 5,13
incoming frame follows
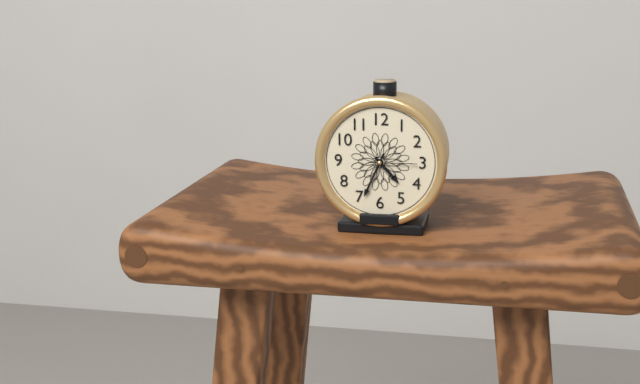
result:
4,34
